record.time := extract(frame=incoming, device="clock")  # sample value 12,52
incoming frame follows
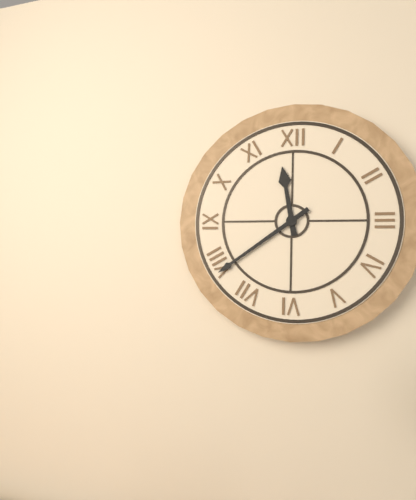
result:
11,39
